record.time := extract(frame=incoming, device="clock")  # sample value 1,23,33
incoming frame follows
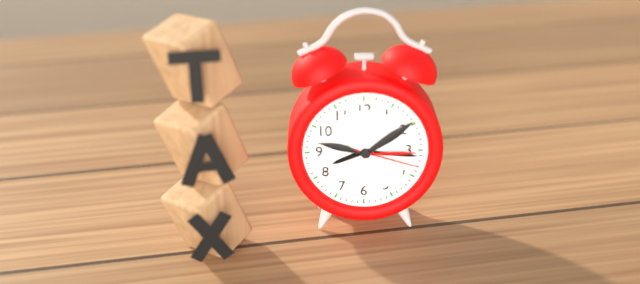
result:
8,16,18
